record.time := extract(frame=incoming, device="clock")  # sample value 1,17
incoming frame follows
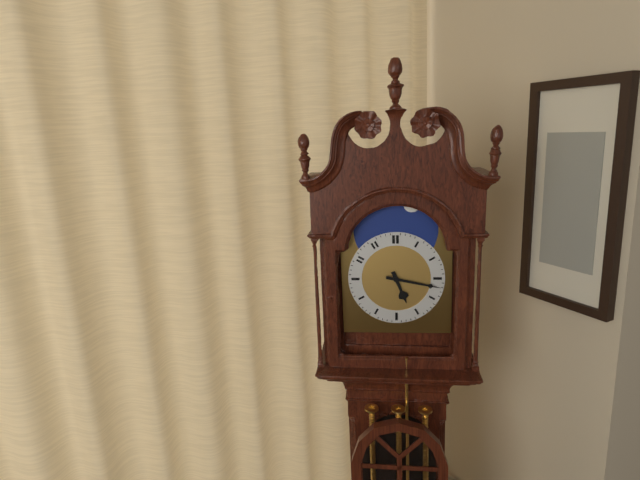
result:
5,17
